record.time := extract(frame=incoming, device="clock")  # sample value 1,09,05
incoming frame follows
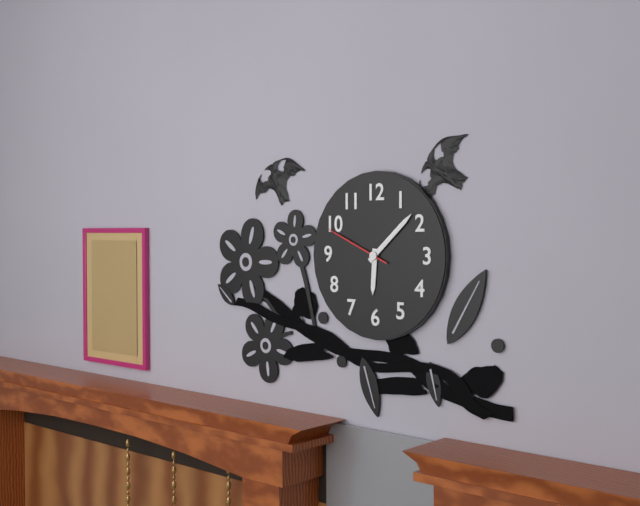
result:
6,08,49
